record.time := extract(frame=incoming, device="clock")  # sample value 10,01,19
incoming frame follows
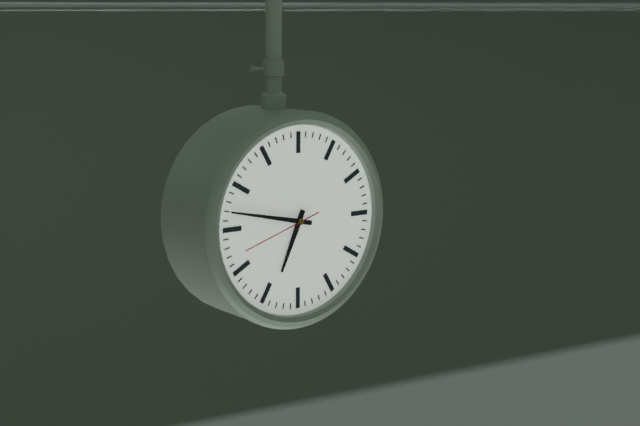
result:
6,47,42
